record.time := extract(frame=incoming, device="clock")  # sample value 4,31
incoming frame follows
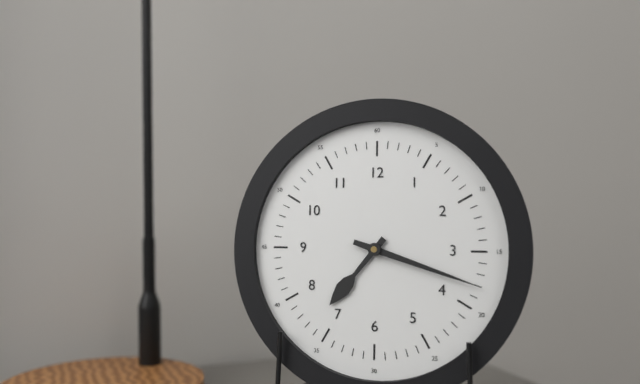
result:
7,18
